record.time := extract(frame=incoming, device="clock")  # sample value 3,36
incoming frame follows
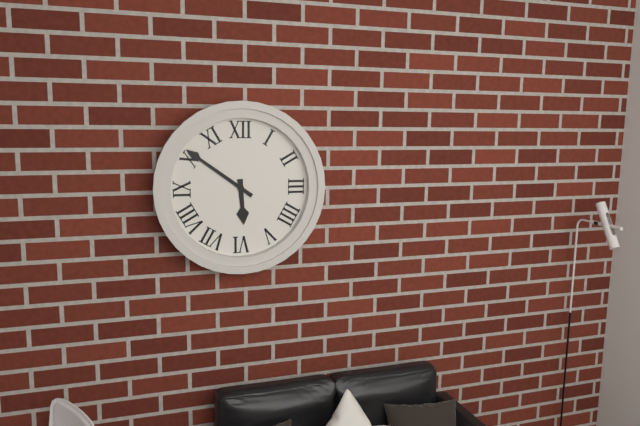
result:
5,51
